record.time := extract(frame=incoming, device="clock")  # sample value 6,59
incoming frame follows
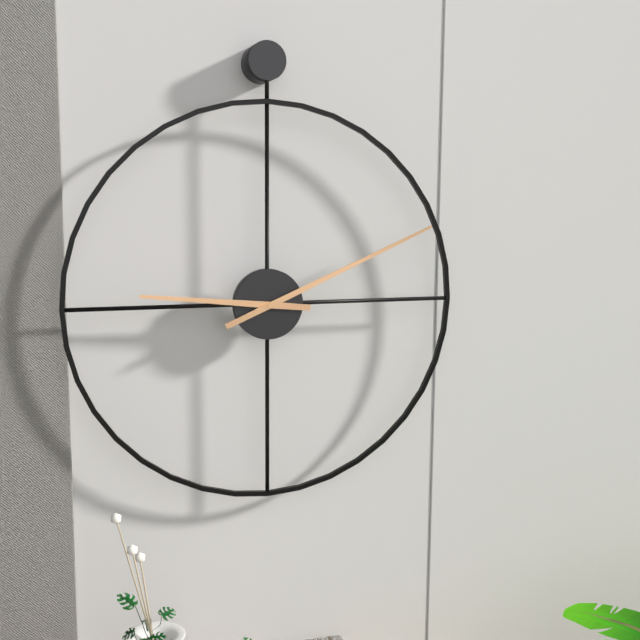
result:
9,11
